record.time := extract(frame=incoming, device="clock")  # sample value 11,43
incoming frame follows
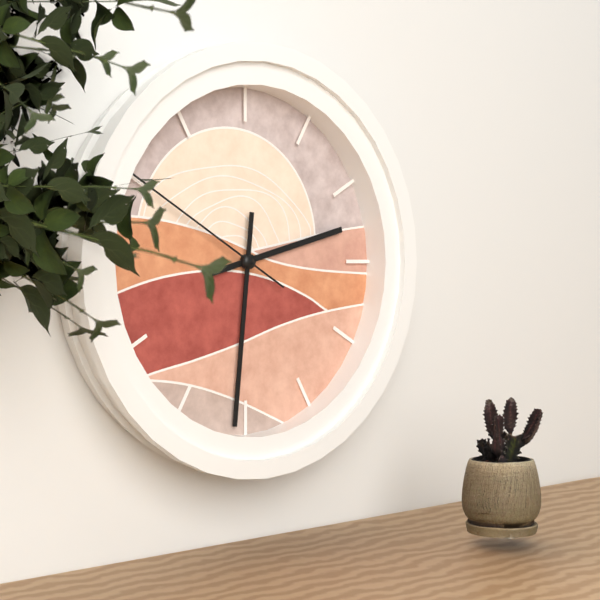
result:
2,31
